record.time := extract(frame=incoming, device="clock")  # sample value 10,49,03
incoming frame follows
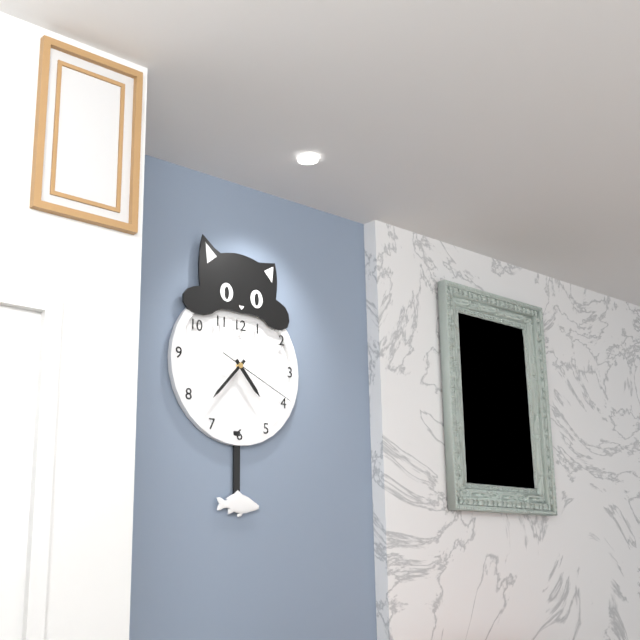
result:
4,37,19
